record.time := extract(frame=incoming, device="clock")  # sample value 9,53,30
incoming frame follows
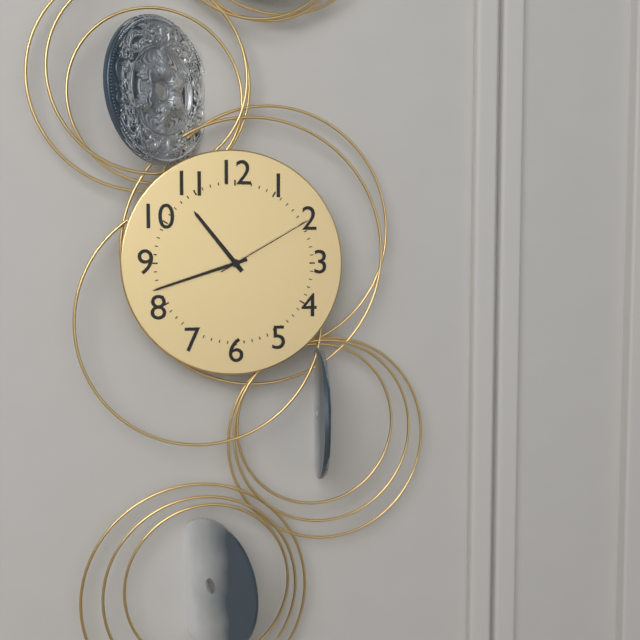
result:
10,42,10
